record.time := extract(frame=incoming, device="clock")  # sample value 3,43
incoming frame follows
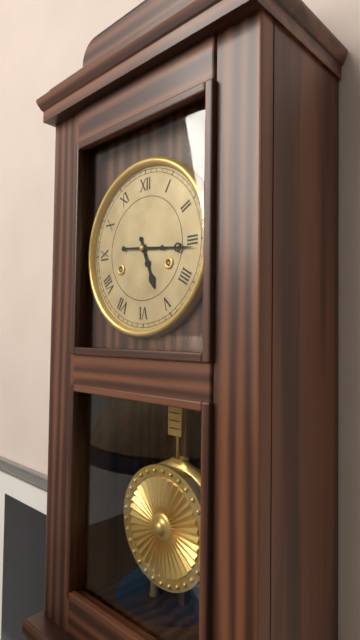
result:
5,16
